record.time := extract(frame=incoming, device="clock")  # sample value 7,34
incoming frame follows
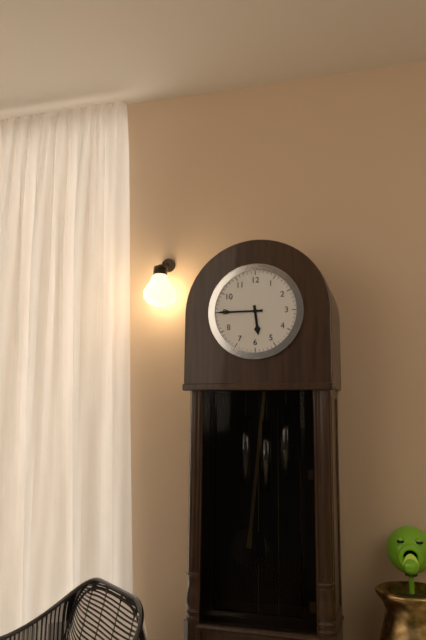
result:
5,45
